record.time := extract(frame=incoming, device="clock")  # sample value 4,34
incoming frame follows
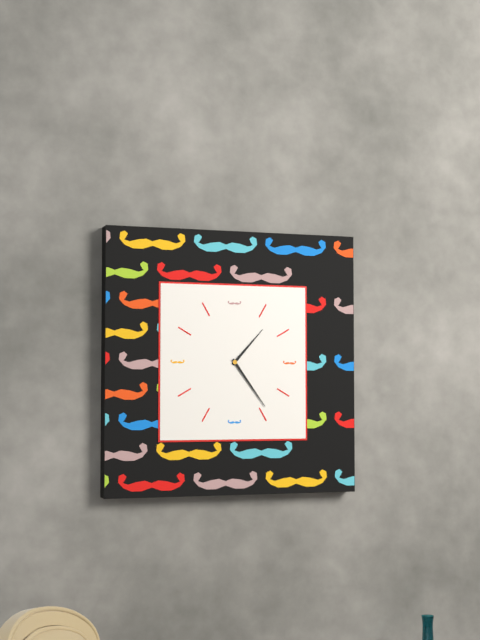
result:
1,24
